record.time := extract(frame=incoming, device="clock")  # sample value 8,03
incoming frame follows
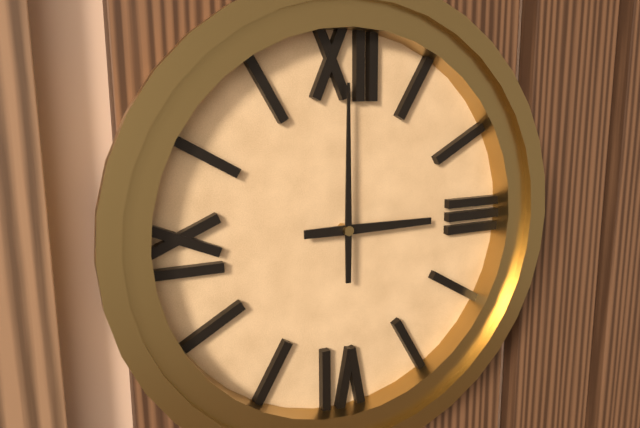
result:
3,00
